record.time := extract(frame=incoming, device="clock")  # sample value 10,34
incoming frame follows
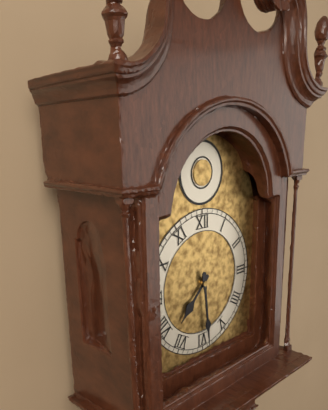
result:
7,29
